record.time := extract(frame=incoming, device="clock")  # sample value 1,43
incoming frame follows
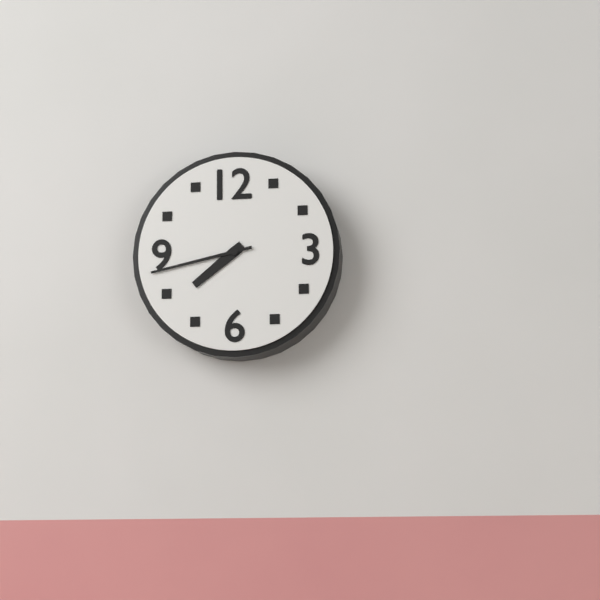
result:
7,43
